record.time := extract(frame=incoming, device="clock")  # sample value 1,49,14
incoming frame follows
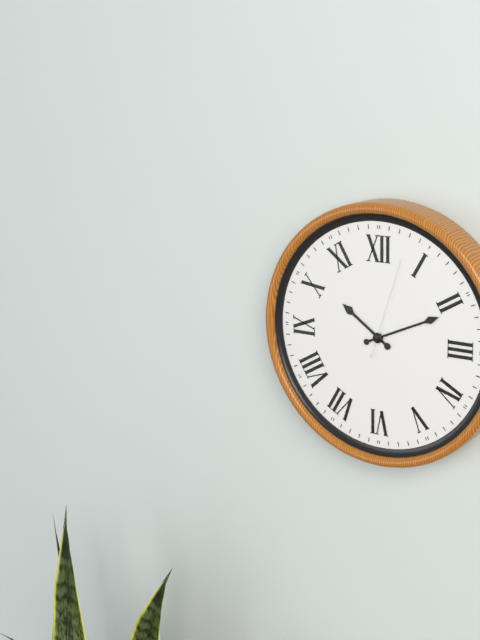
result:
10,11,03
